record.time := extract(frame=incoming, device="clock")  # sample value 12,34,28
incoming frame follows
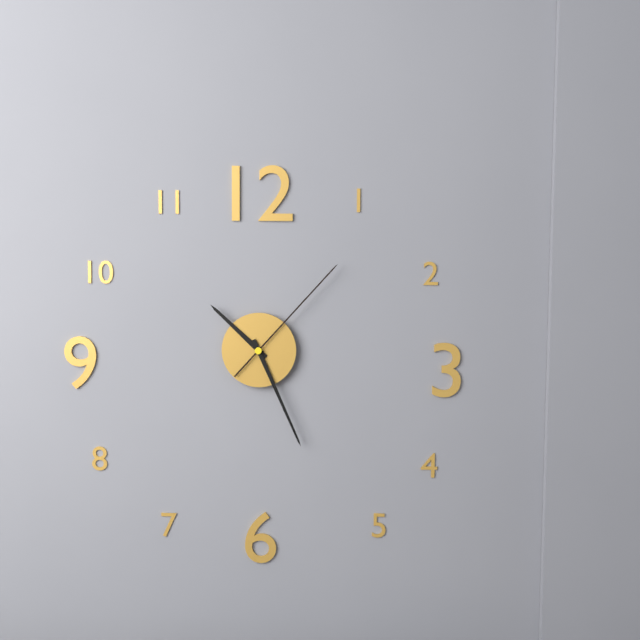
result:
10,26,07
